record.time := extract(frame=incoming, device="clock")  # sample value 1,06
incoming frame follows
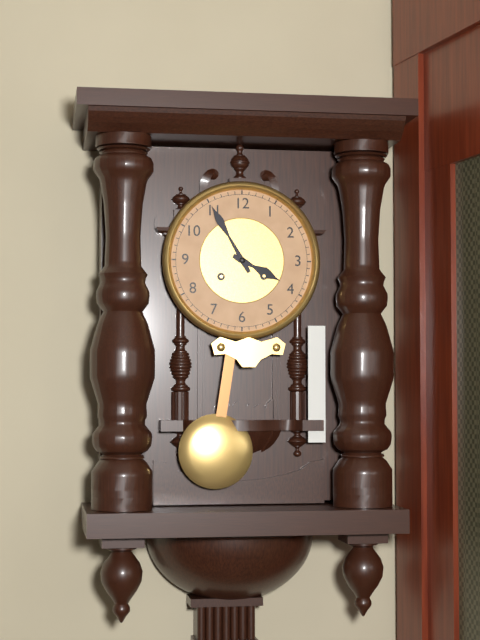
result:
3,55
